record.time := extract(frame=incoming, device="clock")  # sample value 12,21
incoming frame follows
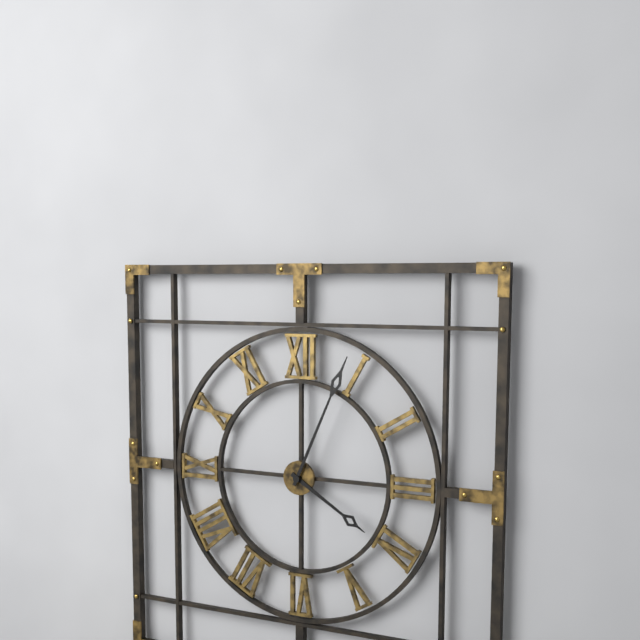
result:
4,04
